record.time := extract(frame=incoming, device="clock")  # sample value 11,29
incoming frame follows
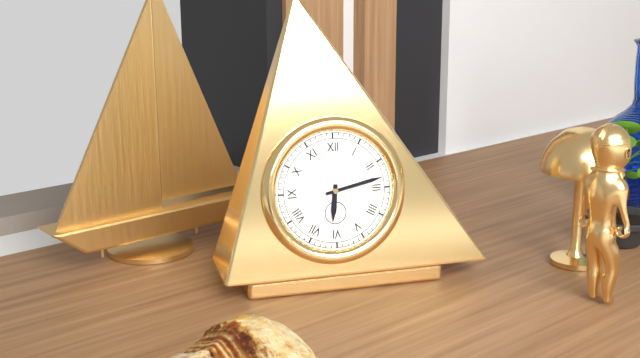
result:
6,13
